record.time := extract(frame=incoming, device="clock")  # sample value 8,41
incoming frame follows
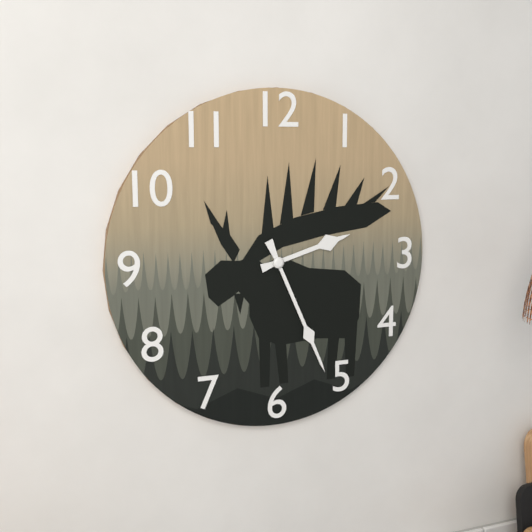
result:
2,26
